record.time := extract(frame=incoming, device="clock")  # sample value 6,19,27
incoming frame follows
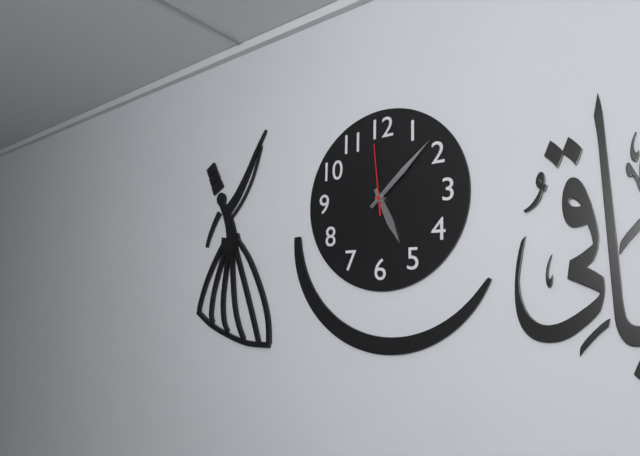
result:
5,08,59
